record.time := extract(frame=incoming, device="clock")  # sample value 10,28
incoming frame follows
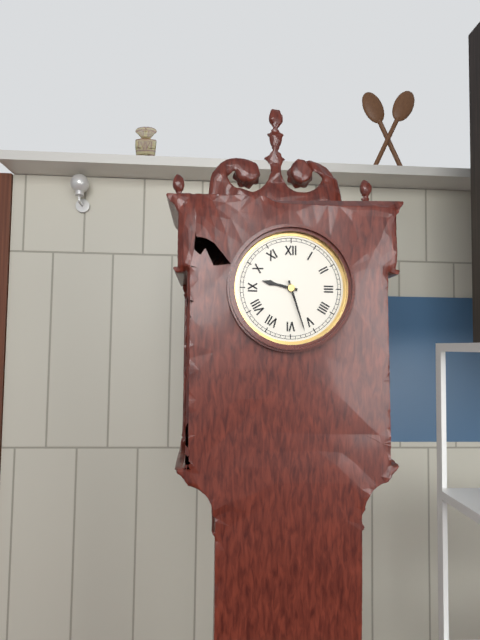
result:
9,27
